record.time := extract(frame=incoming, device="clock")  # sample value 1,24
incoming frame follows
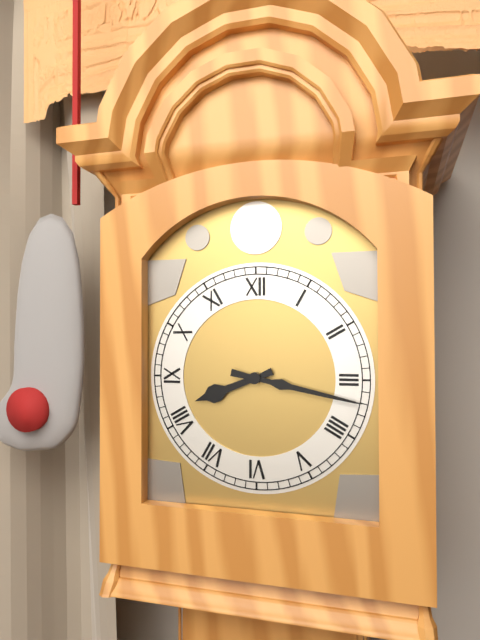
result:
8,17
